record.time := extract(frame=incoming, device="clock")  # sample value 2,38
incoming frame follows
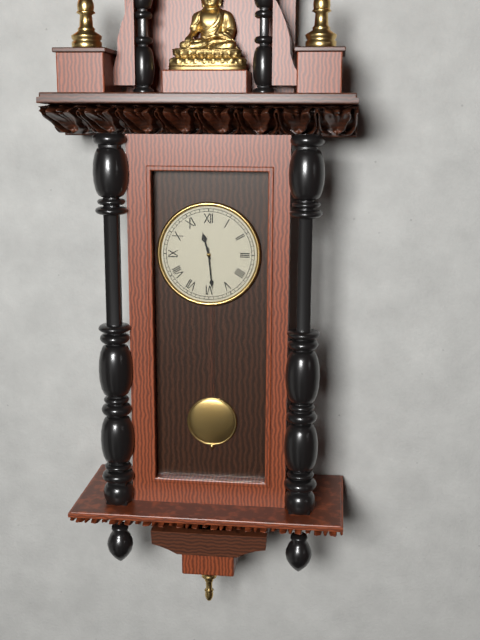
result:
11,29
